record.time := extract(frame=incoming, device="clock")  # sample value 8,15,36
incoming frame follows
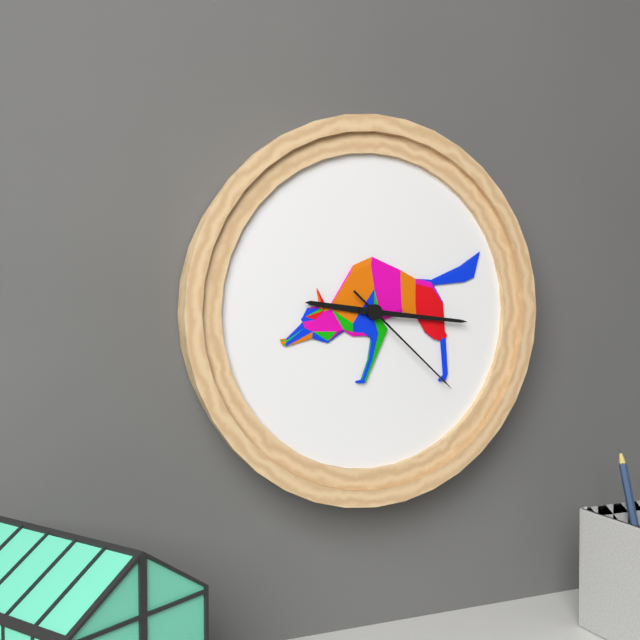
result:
9,16,22
